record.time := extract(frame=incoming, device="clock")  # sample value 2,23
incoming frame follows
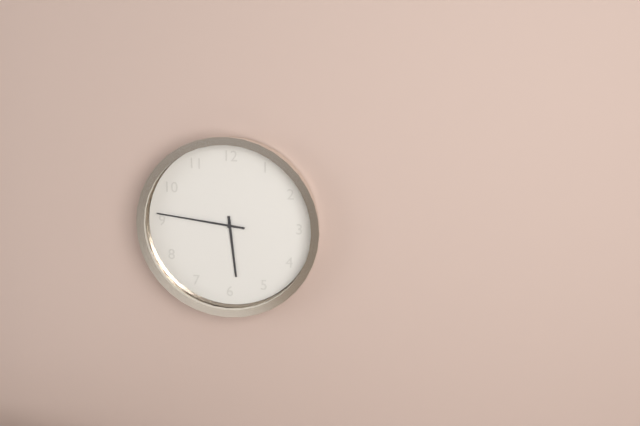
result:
5,46
